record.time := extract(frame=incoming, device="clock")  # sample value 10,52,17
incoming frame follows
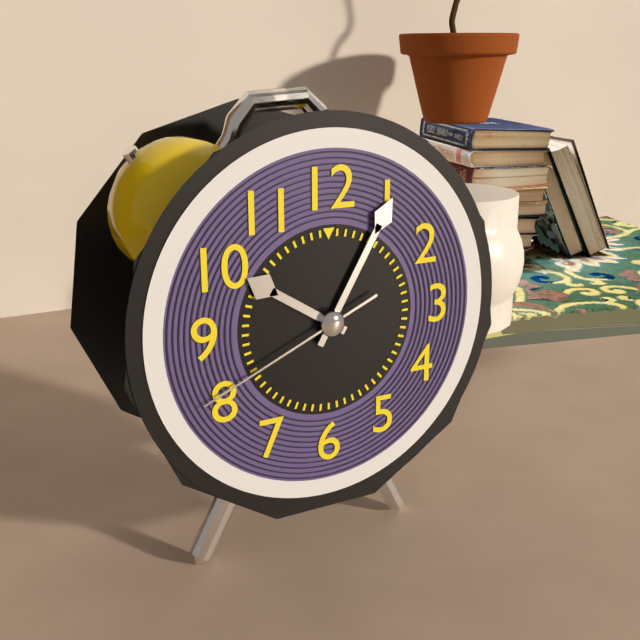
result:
10,05,41
